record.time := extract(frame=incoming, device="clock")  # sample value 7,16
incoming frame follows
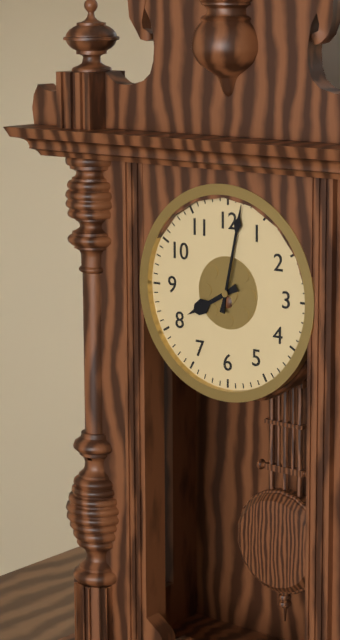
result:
8,02
